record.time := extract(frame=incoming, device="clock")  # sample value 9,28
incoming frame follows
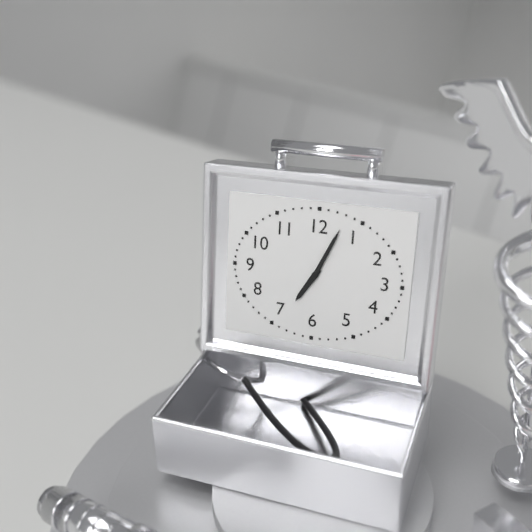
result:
7,04
